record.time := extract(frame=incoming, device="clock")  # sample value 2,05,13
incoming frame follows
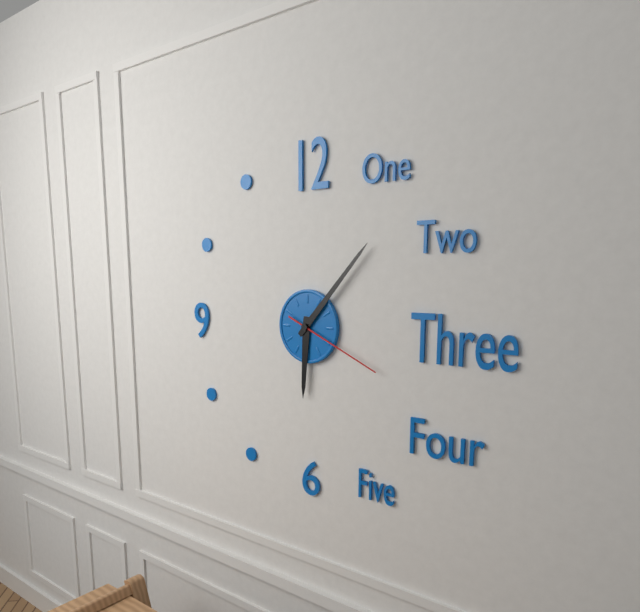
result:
6,07,19
